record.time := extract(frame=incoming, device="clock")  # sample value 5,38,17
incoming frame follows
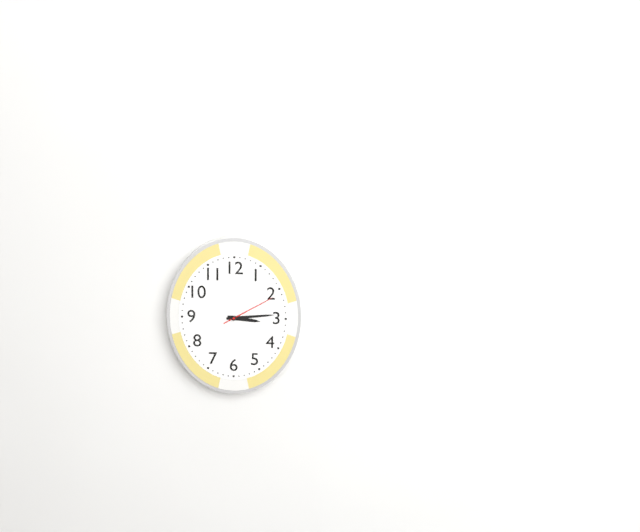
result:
3,14,10
